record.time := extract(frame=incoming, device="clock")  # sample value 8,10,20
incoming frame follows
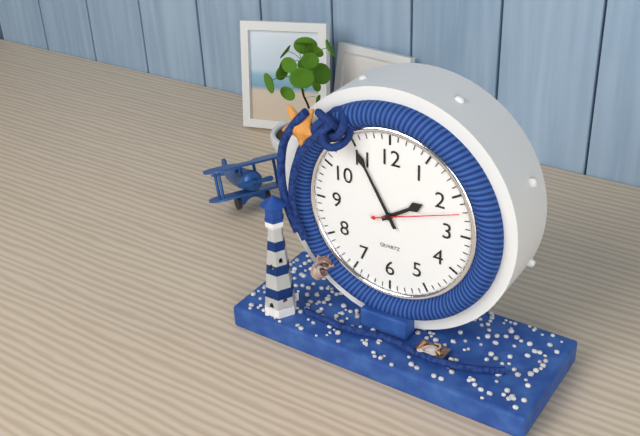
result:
1,55,12
